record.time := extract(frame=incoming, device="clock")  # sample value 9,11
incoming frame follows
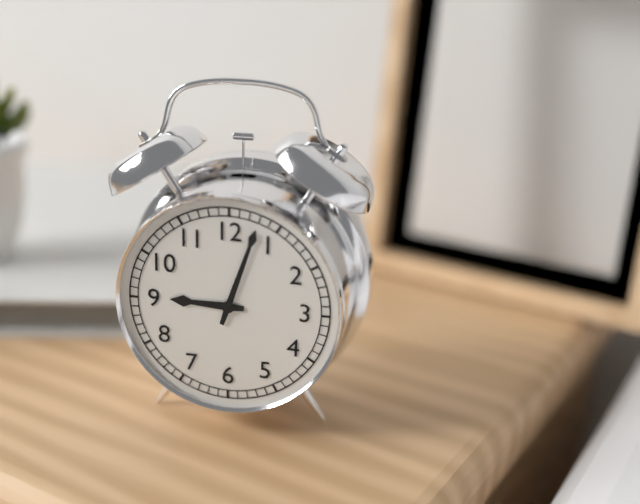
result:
9,03
